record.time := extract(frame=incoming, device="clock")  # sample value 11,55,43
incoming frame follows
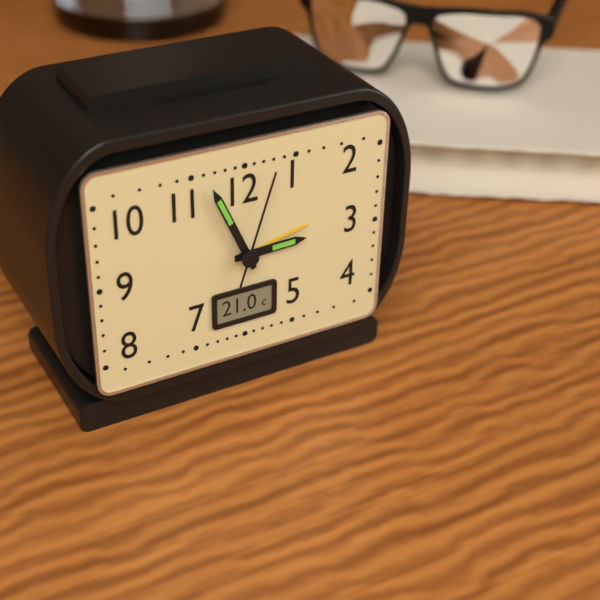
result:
2,56,03
